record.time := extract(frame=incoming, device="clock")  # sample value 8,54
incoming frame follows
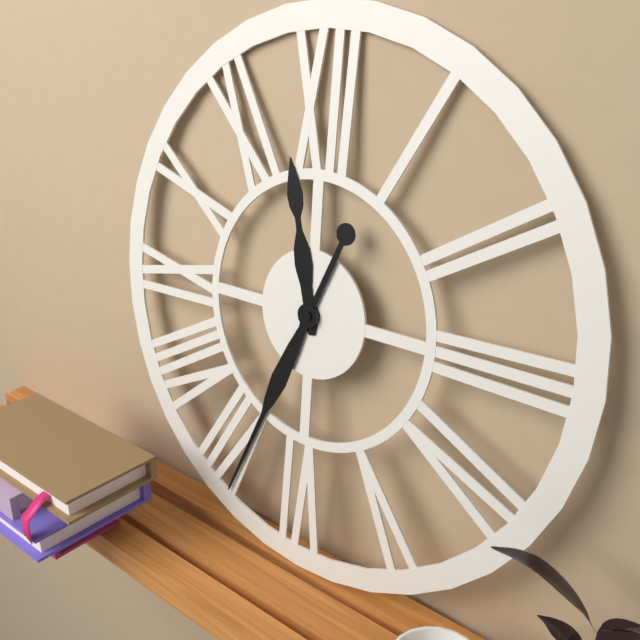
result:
11,34
